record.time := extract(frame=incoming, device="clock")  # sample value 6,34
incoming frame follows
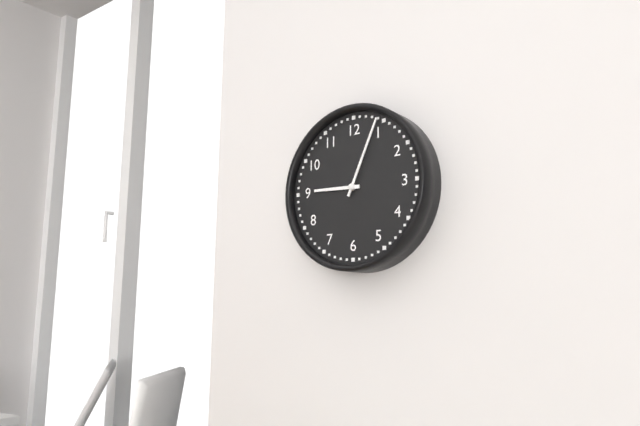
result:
9,04
